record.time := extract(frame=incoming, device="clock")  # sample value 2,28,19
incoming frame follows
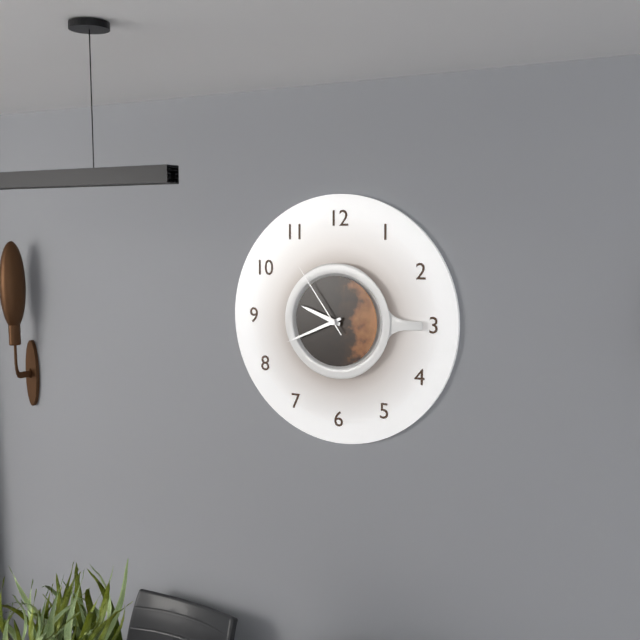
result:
9,41,54
